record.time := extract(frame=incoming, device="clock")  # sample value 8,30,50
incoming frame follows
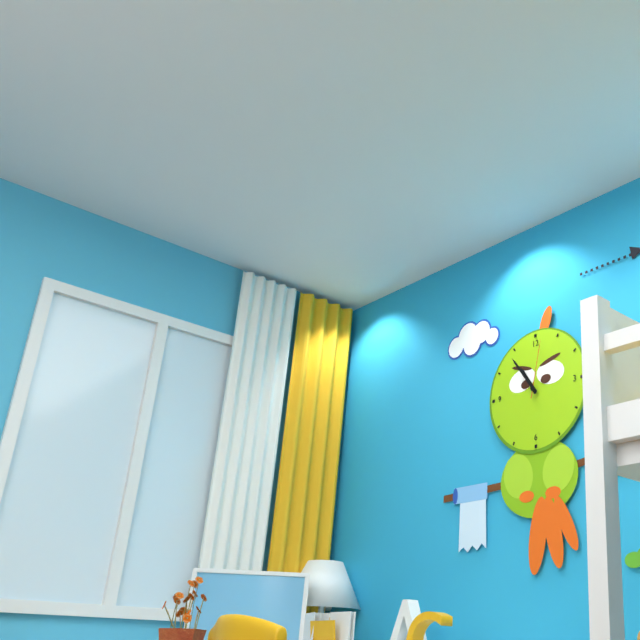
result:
10,54,02
